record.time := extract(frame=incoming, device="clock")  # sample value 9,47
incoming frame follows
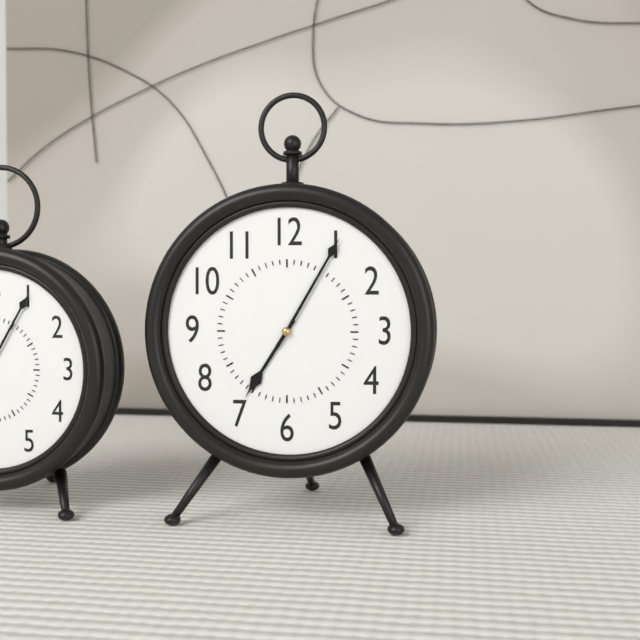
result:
7,05
